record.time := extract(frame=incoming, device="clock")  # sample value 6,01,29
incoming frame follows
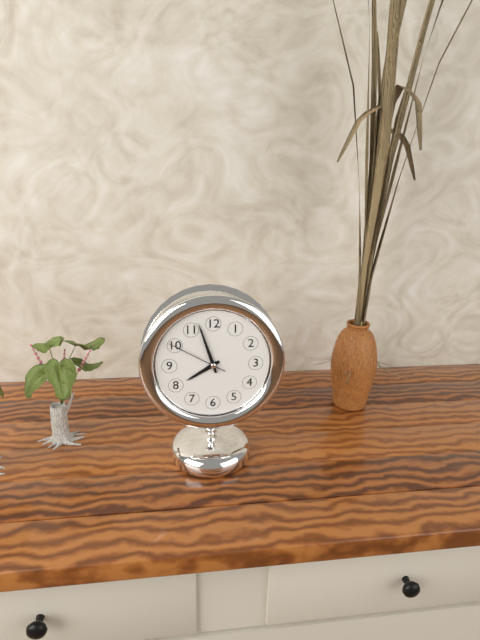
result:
7,57,50
